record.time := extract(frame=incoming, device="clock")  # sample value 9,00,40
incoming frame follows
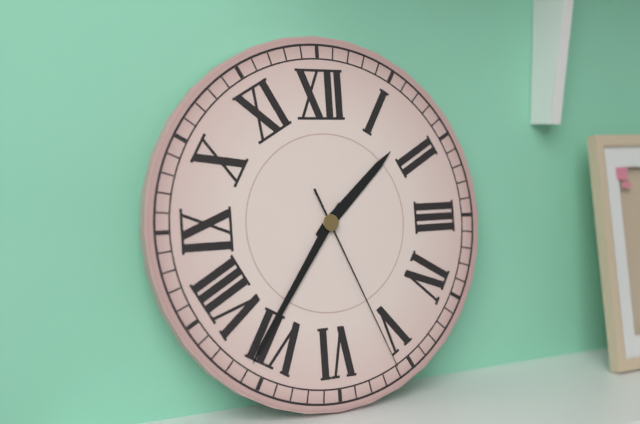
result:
1,36,26
